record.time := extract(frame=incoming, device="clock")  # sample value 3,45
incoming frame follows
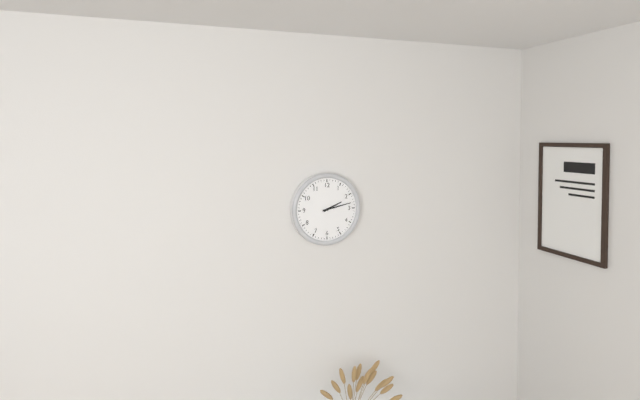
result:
2,13
